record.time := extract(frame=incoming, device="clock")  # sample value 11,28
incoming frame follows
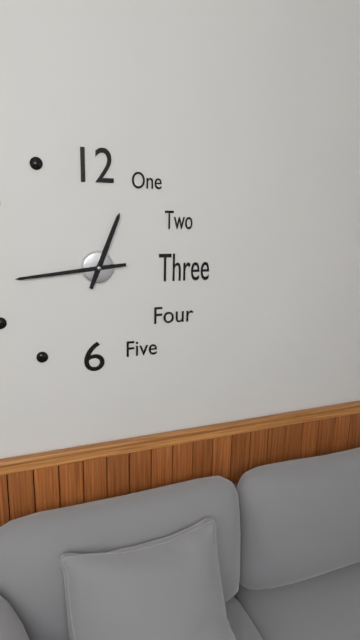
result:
12,44
